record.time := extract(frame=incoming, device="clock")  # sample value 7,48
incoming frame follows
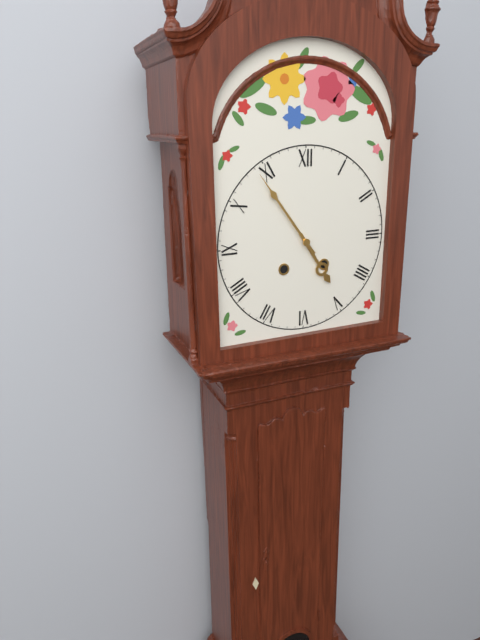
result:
4,54
